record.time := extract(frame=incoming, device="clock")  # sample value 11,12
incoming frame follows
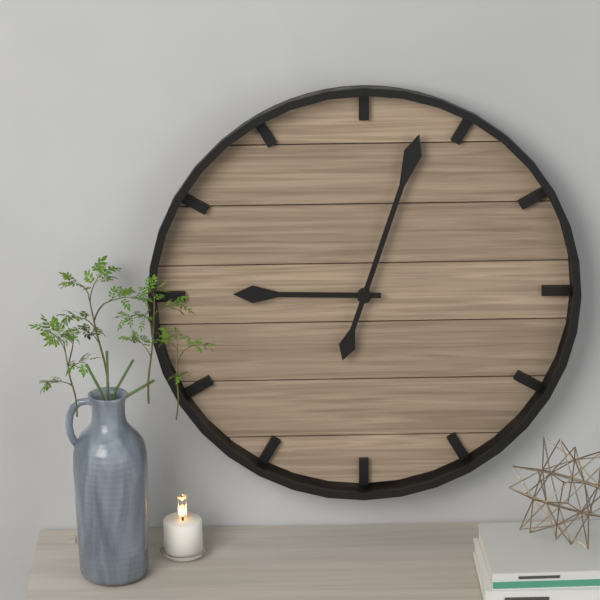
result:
9,03
